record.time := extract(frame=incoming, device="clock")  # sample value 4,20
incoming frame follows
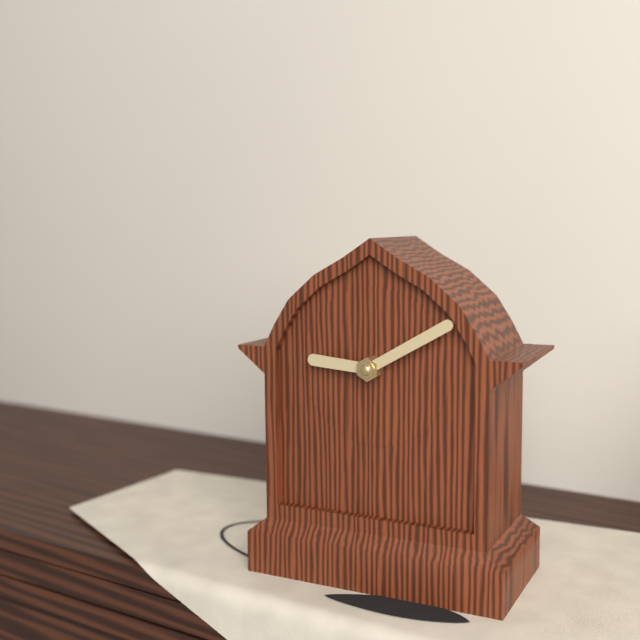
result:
9,10
